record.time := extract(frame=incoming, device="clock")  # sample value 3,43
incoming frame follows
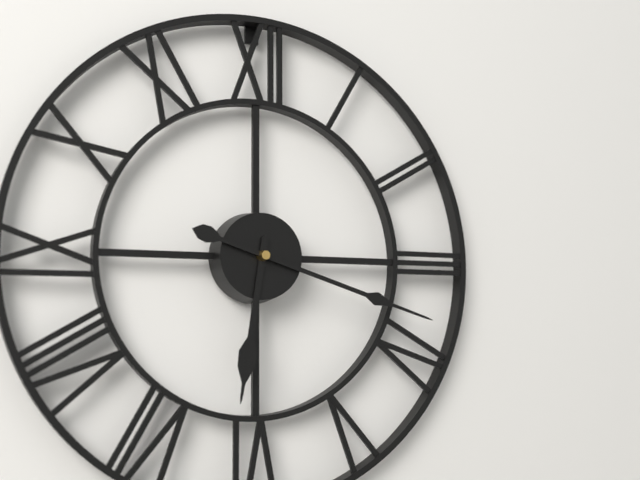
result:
6,18
